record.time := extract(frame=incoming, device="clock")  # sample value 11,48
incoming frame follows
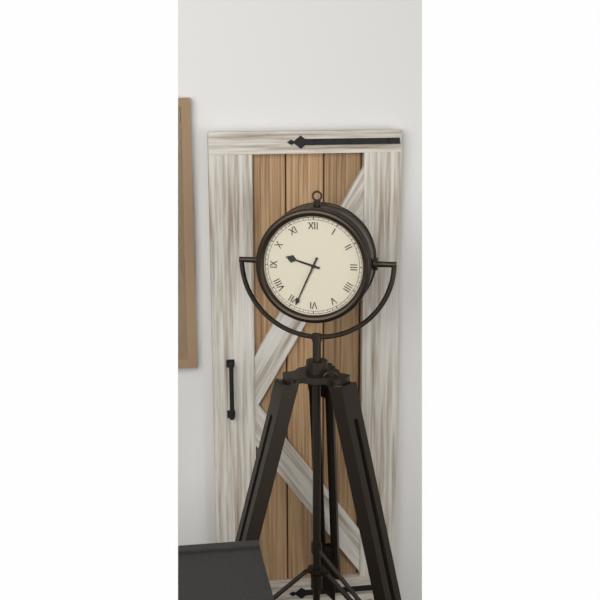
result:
9,34
